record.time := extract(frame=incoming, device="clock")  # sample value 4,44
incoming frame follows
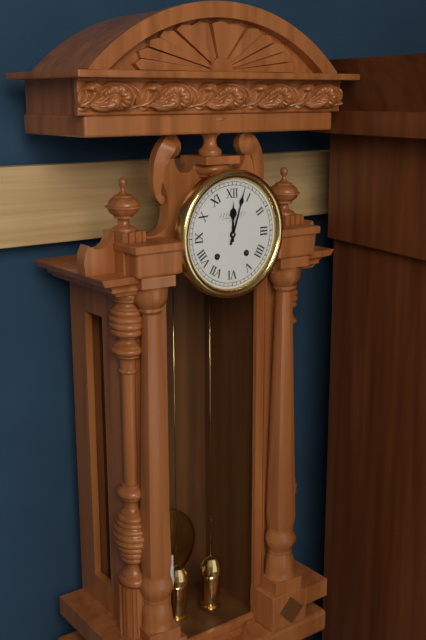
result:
12,03
